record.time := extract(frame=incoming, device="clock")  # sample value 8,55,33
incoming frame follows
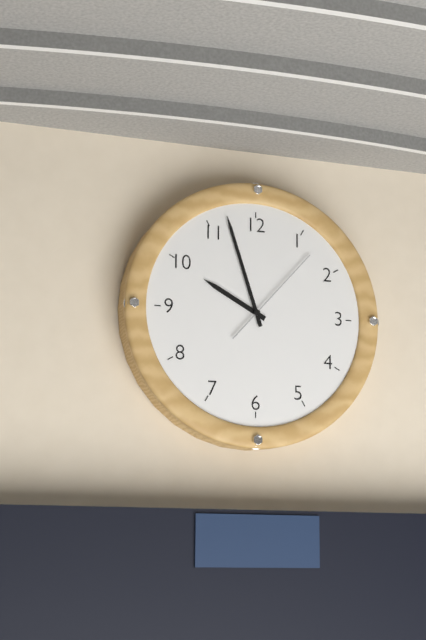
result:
9,57,07
